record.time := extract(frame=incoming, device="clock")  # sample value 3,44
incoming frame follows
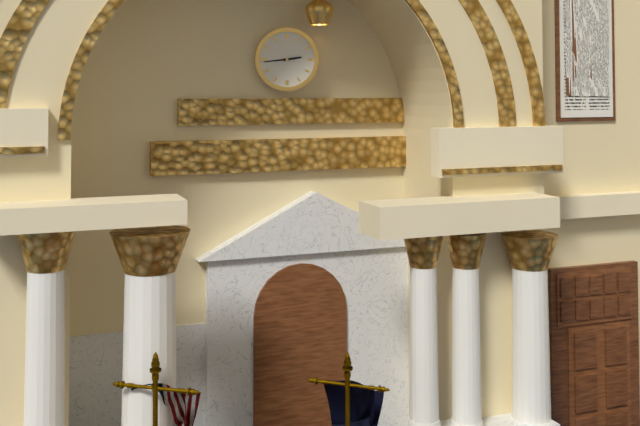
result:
2,44
